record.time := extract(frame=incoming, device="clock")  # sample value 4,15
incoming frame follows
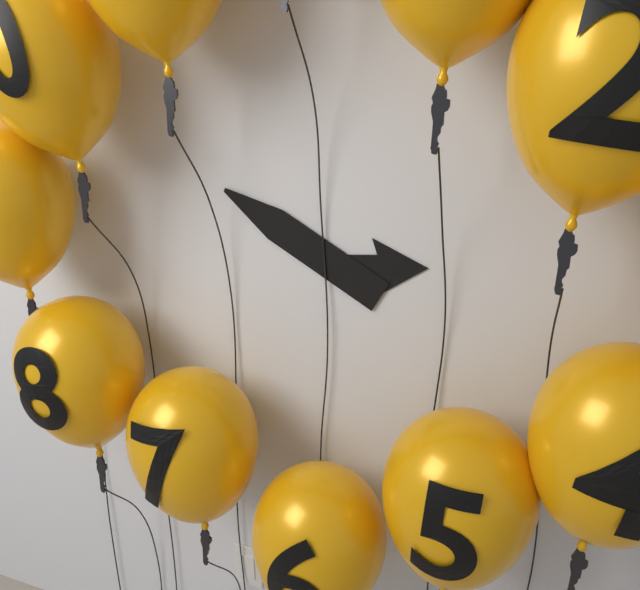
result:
2,50
